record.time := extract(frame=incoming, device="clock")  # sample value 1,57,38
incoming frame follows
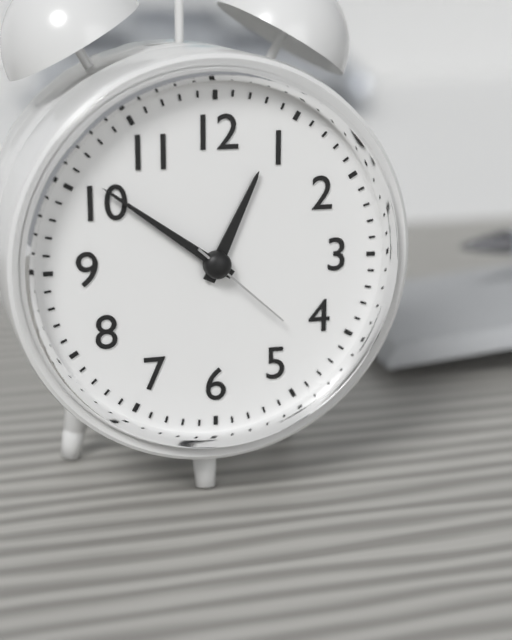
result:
12,51,22
